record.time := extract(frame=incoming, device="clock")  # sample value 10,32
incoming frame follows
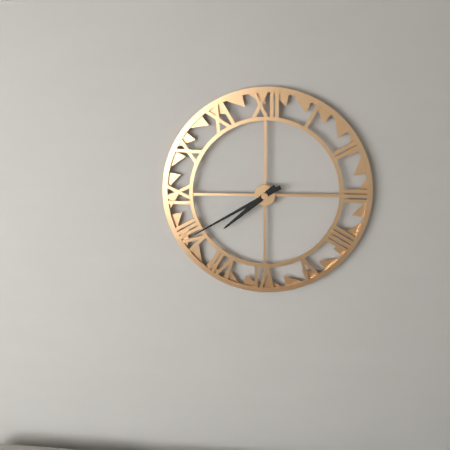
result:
7,40
